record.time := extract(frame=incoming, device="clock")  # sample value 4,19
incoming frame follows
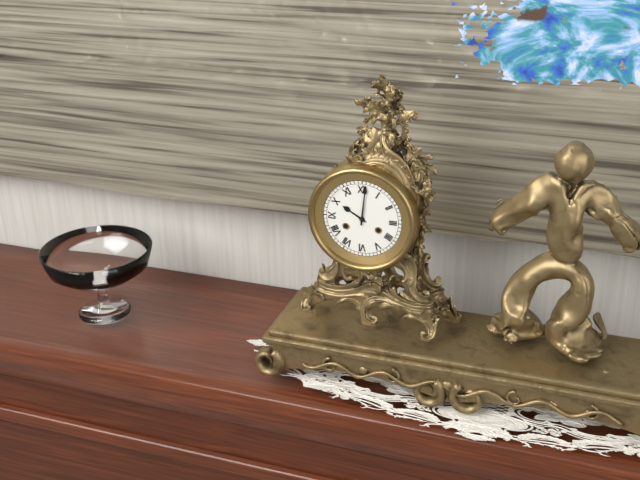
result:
10,01
